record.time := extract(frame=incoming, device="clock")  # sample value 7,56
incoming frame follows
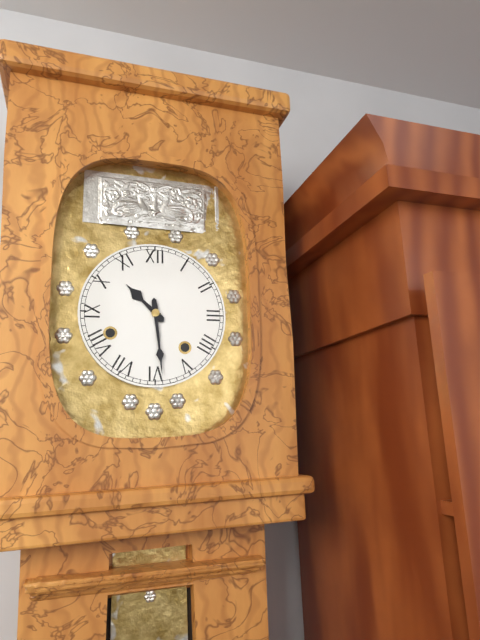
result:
10,29
